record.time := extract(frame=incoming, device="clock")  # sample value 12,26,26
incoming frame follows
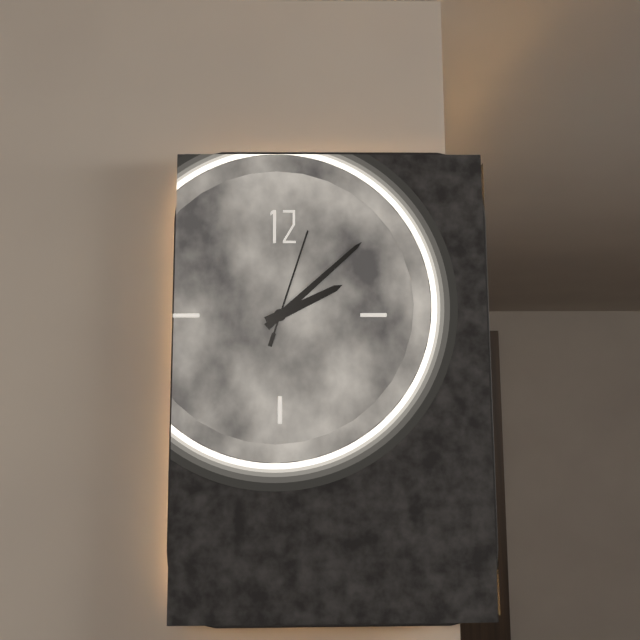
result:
2,08,03
